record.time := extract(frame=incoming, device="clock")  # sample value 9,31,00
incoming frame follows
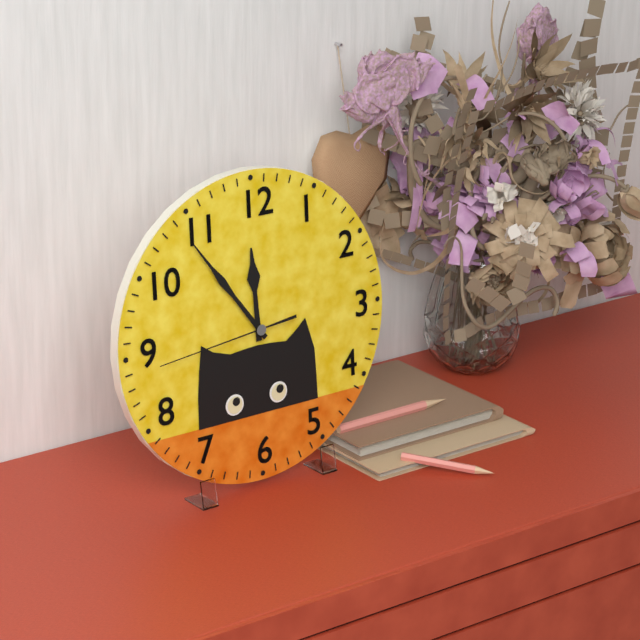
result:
11,54,44
